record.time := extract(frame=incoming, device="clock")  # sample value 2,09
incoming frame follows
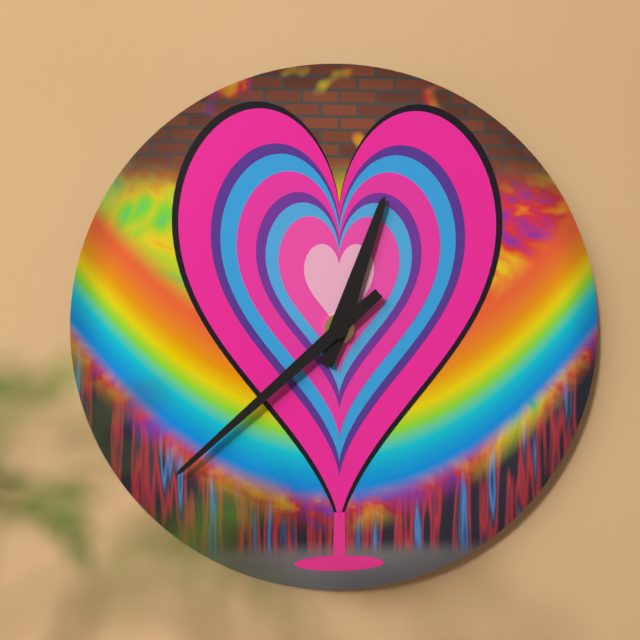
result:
12,38
